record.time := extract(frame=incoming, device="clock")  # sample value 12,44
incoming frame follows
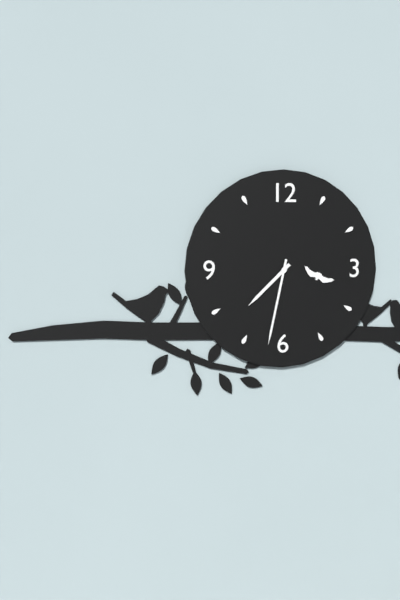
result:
7,32
